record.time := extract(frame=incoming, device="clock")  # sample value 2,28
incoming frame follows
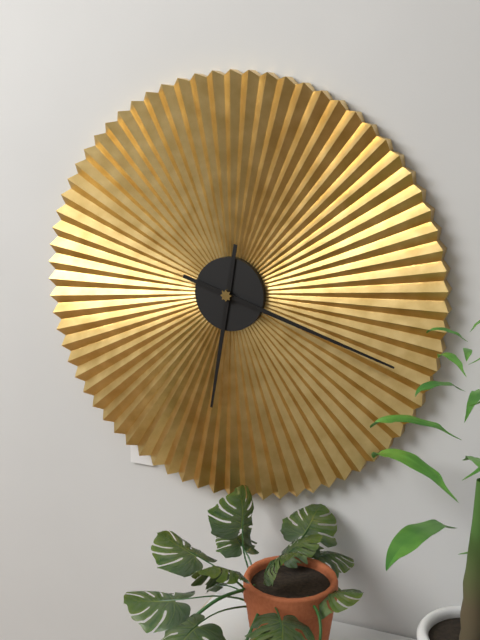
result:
6,18
